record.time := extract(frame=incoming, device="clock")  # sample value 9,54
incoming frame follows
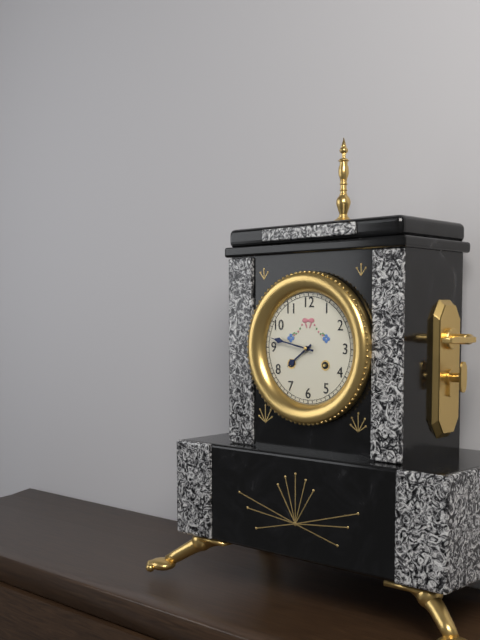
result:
7,47
